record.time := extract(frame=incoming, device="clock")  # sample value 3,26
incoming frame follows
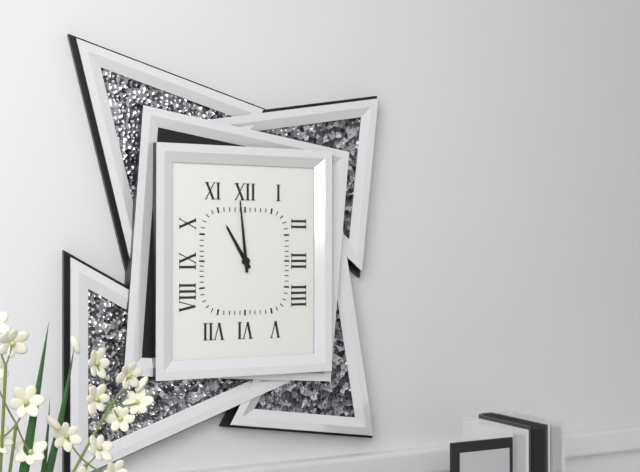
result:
10,59
